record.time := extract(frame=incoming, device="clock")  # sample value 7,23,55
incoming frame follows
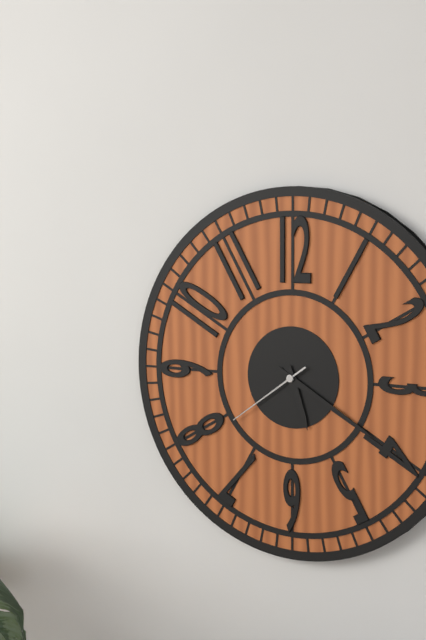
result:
5,20,39
